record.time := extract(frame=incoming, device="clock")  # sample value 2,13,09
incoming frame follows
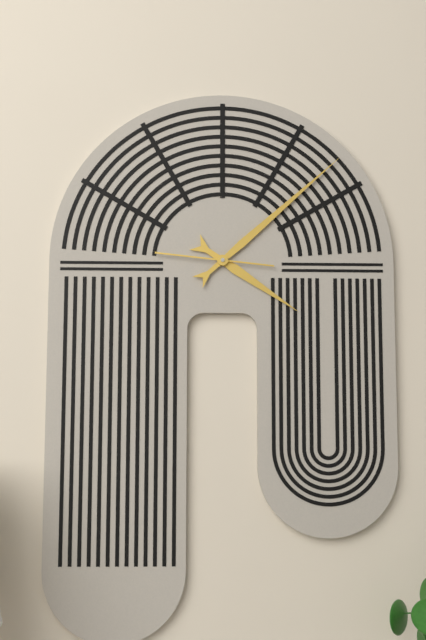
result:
4,08,46
